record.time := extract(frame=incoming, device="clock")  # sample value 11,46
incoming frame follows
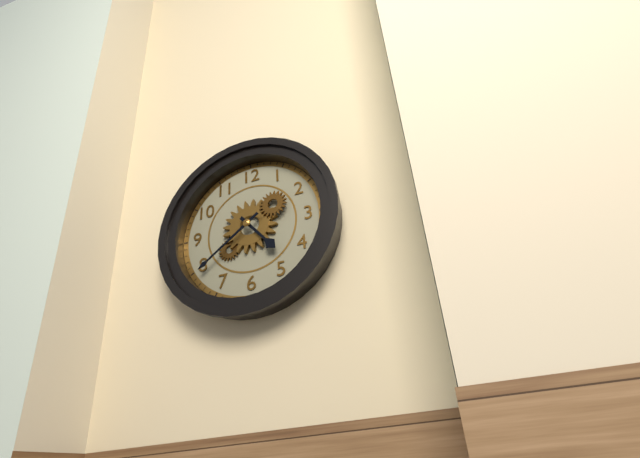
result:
4,39
